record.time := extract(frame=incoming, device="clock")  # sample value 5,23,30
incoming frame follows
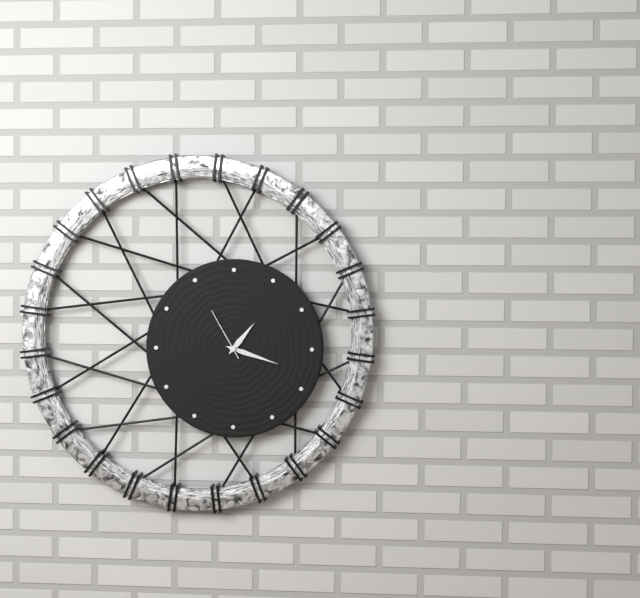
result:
1,18,55
